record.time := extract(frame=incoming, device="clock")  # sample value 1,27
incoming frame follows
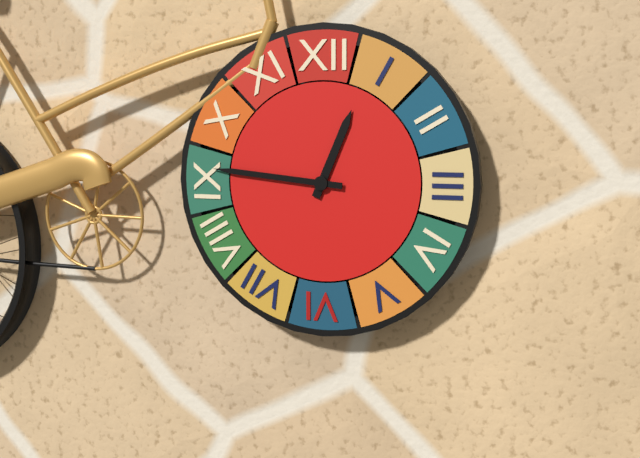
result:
12,46
